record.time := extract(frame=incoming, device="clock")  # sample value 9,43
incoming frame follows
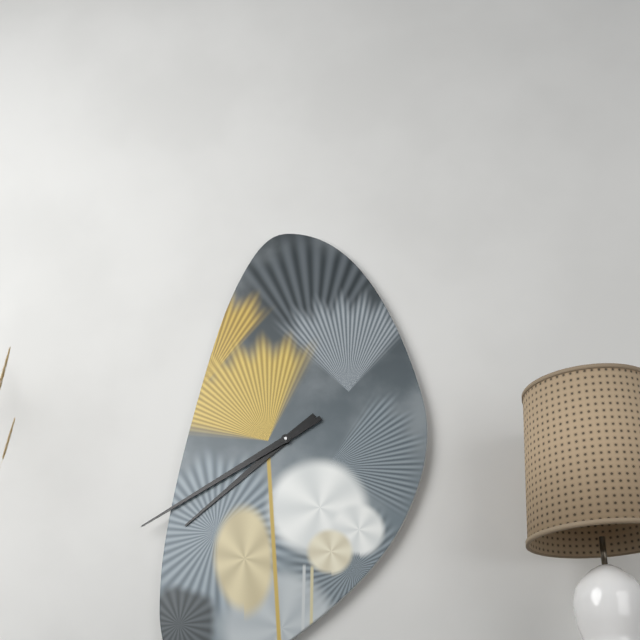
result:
7,40
